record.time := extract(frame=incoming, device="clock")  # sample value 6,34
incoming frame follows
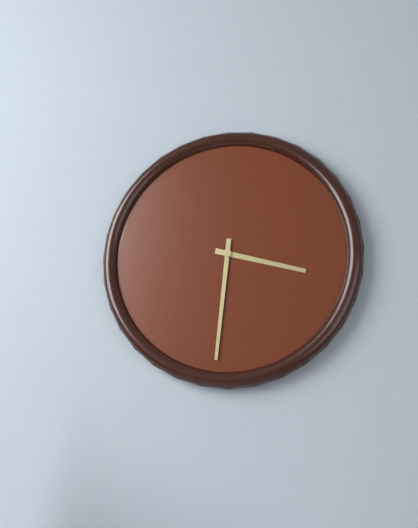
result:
3,31
